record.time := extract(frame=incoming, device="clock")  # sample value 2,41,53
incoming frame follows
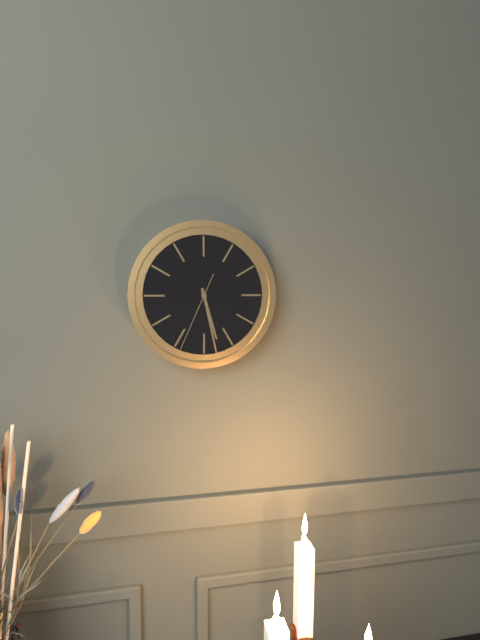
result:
5,28,34
